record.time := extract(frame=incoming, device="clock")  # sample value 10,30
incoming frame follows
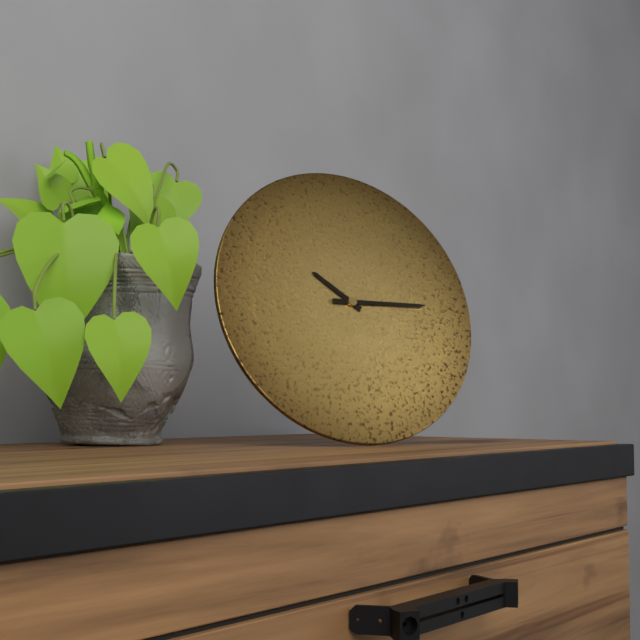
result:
10,15
